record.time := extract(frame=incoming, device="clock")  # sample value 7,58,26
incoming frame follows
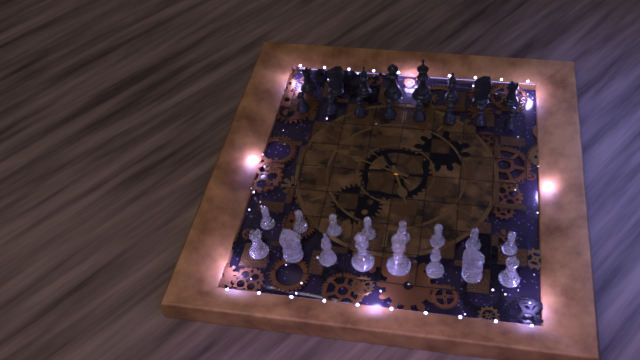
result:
11,18,22
